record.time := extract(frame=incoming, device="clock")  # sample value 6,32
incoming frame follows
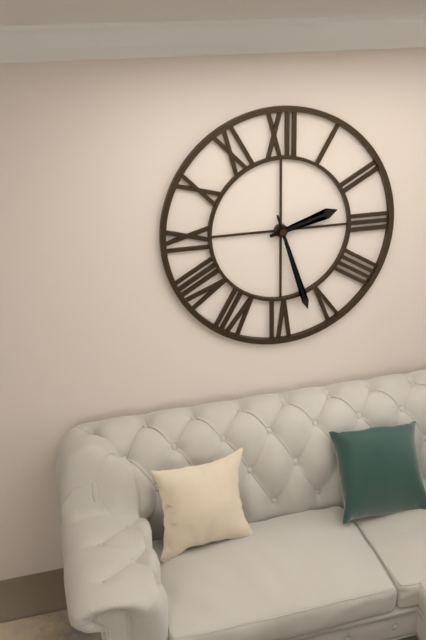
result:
2,27
